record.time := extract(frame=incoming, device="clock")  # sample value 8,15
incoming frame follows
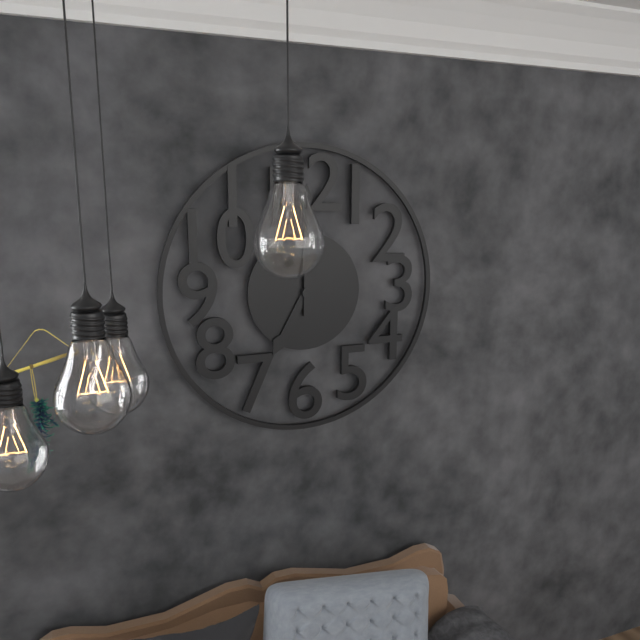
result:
7,00
